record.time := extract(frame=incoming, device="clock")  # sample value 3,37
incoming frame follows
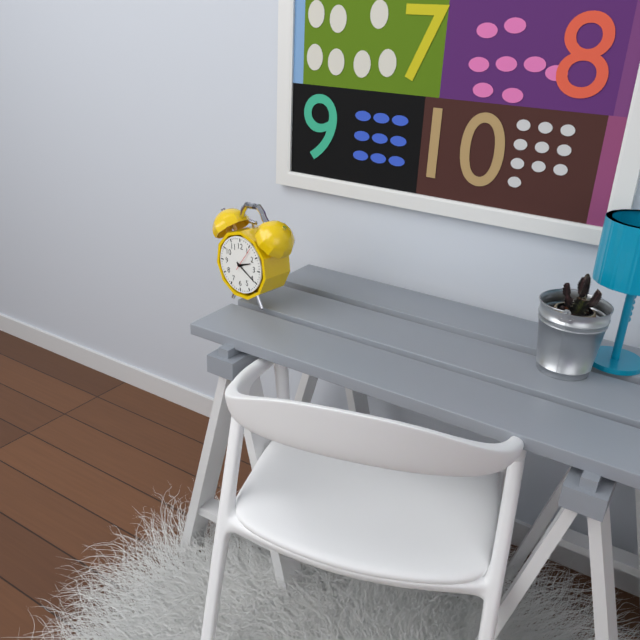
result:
2,20
